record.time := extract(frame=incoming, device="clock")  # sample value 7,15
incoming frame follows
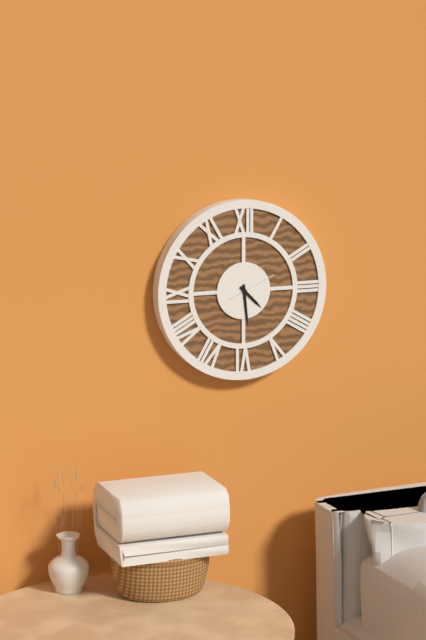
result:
4,29
